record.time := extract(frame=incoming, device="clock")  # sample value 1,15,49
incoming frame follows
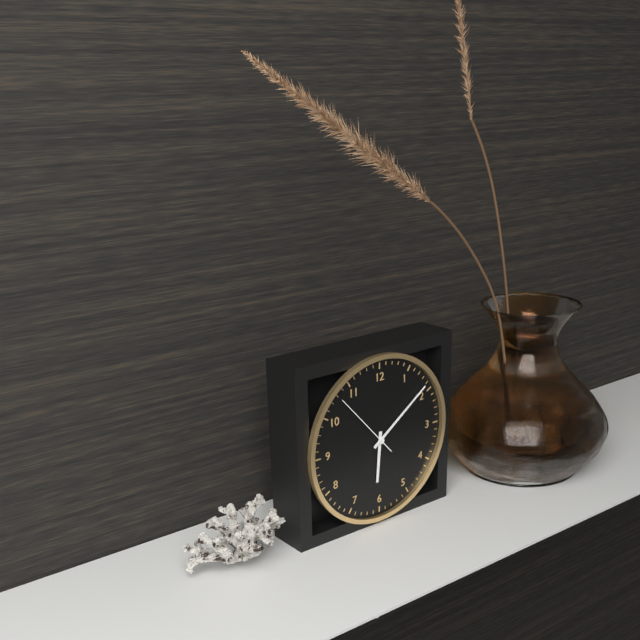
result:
6,09,53
